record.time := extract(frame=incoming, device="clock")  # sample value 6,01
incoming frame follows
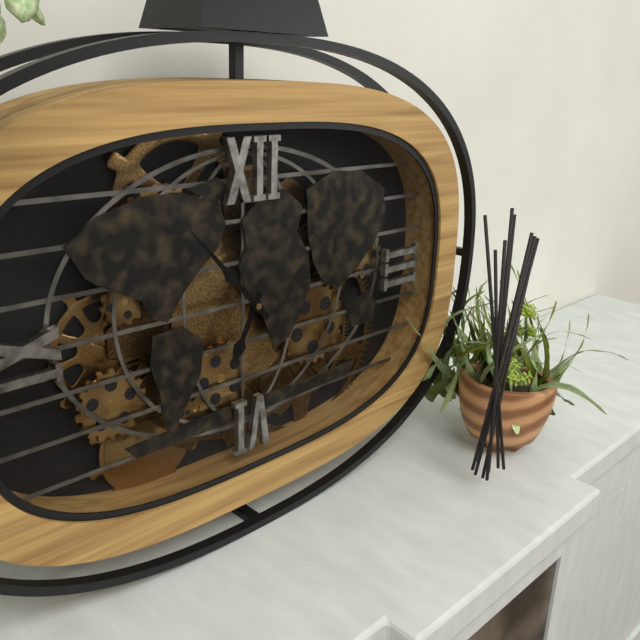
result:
6,53
